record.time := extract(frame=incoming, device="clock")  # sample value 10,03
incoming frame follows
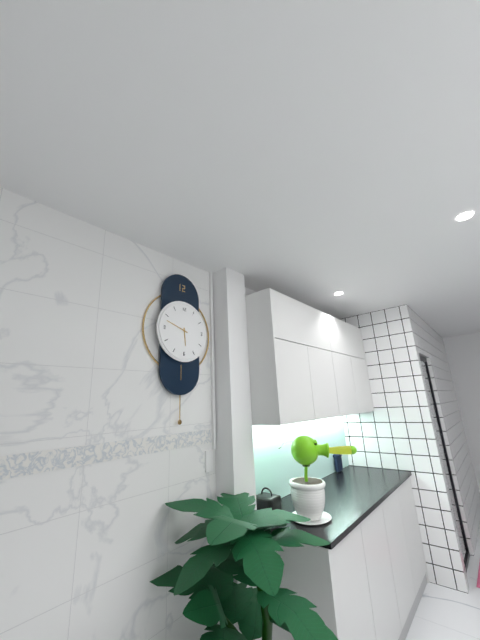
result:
5,48
